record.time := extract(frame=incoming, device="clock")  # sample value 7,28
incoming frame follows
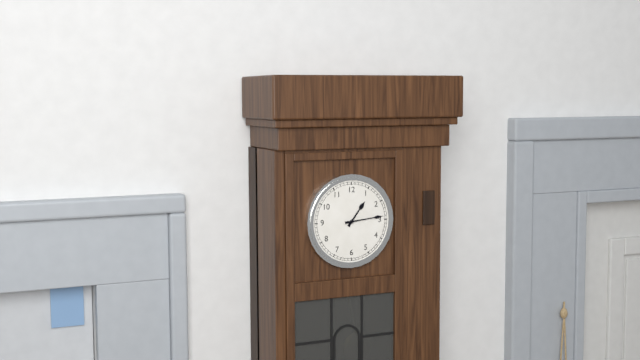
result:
1,14
